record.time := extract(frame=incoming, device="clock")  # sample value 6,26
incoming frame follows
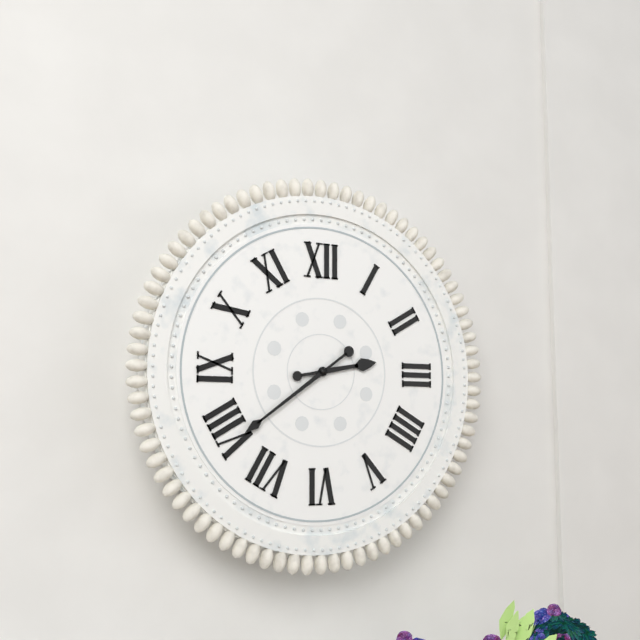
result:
2,39
